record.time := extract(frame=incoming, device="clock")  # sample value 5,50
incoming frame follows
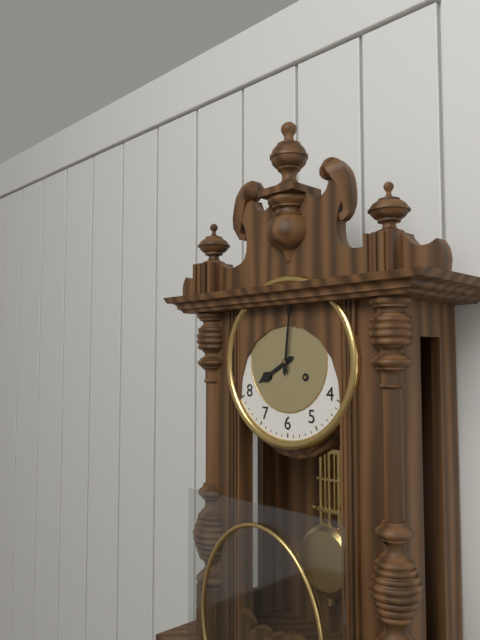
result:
8,01
